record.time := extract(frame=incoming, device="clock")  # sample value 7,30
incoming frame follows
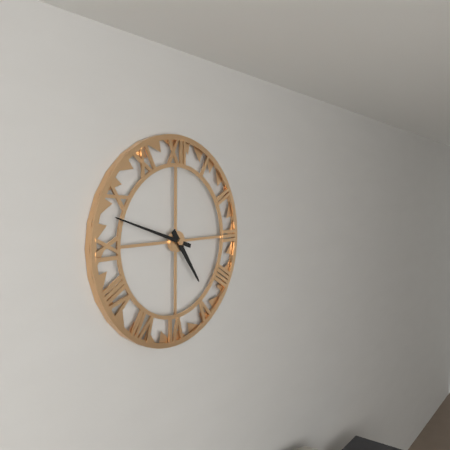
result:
4,48
